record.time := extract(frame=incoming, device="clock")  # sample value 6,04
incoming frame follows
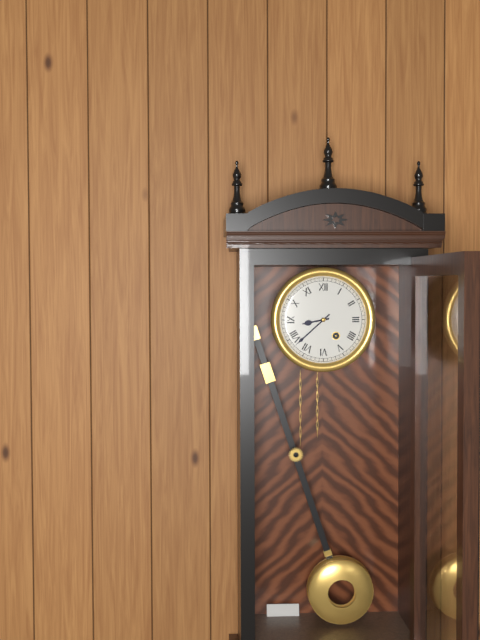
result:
8,38
